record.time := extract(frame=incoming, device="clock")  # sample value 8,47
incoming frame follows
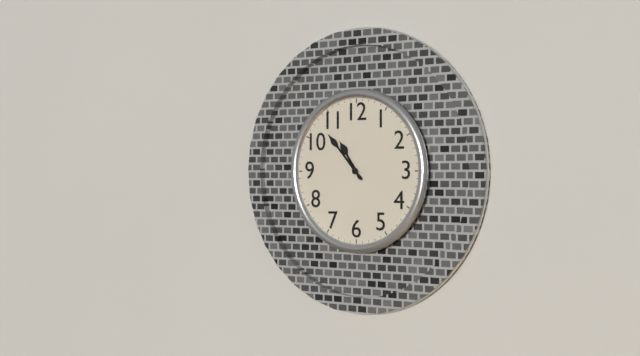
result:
10,53
